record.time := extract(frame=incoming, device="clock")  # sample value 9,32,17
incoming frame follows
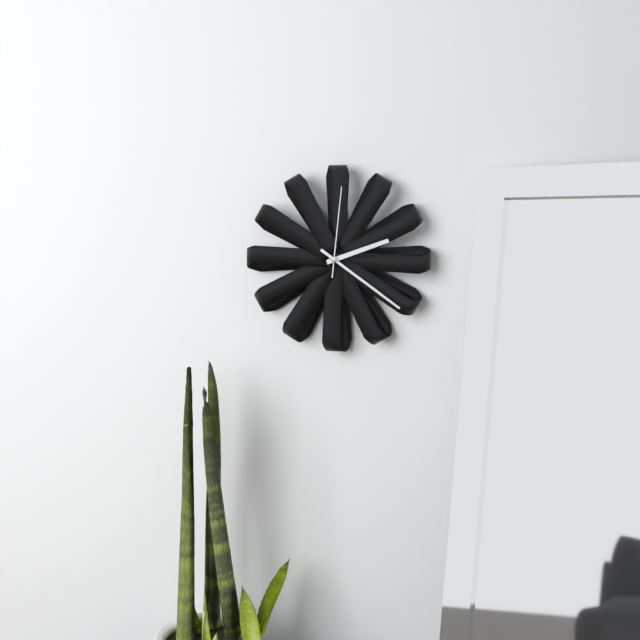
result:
2,21,01
